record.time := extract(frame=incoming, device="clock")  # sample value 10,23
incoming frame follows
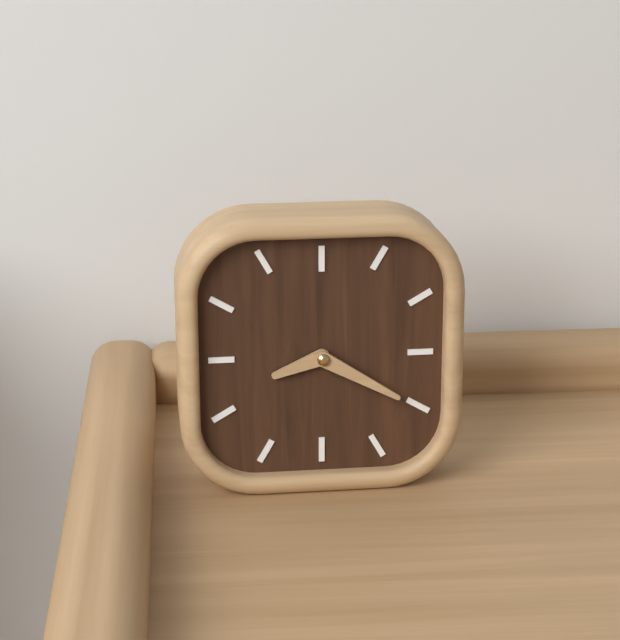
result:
8,20
